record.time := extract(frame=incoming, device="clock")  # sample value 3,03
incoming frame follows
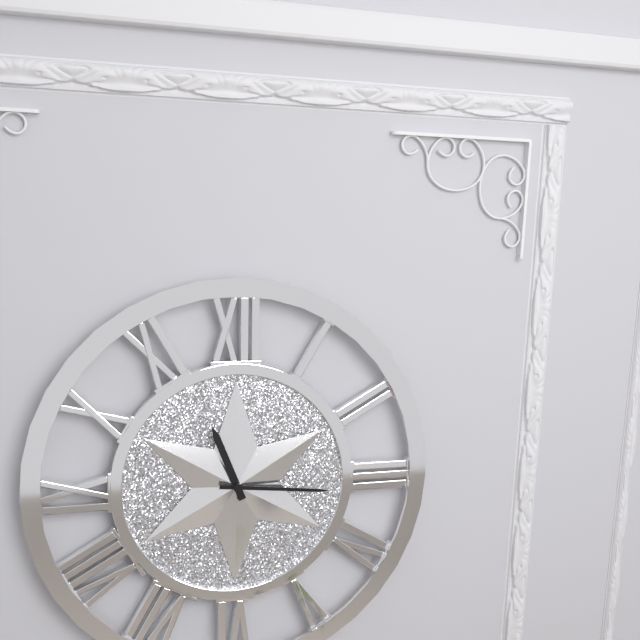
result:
11,16
